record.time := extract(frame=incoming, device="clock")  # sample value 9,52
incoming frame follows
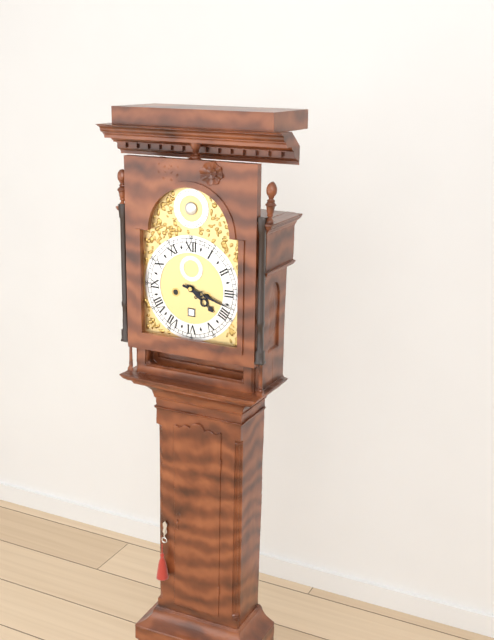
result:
4,18
